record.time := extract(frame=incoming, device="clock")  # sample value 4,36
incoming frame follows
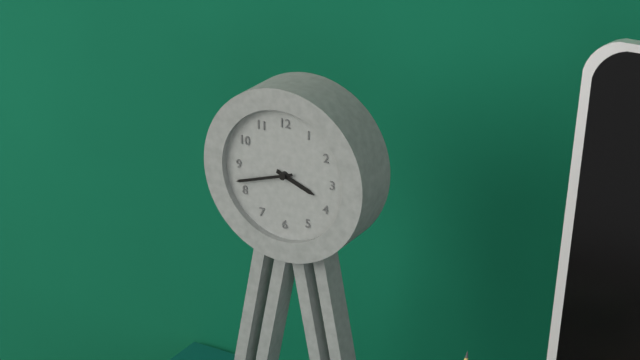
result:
3,42
